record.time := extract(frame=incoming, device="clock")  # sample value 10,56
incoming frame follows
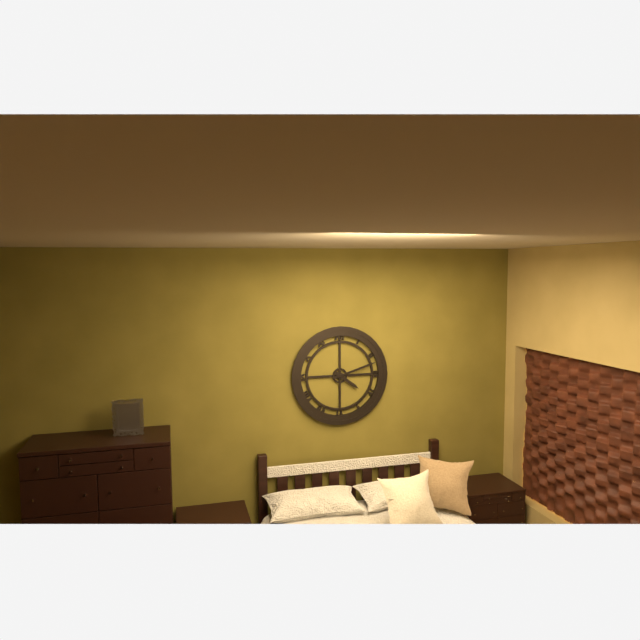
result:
4,12
